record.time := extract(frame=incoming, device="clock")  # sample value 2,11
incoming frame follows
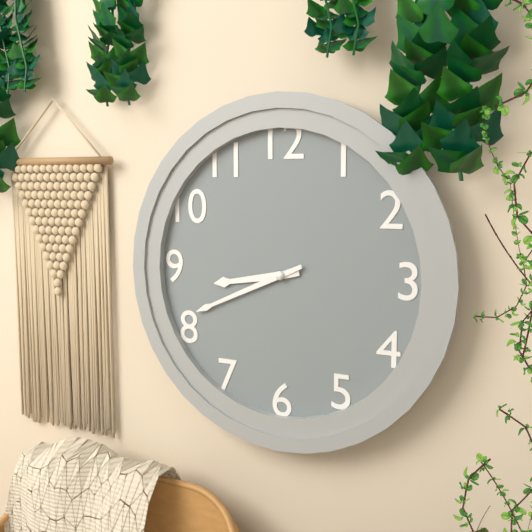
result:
8,41
